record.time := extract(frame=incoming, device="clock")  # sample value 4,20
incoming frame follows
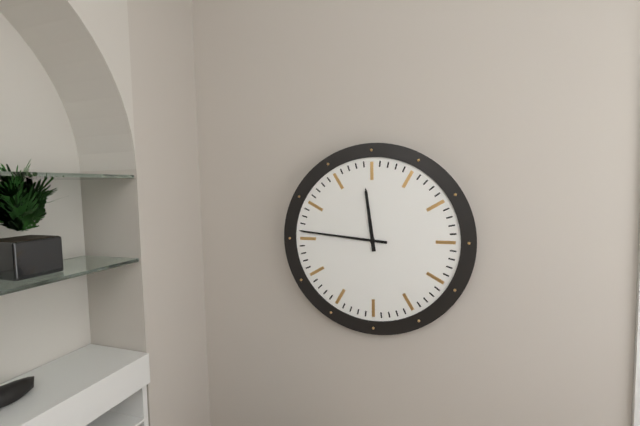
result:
11,46
